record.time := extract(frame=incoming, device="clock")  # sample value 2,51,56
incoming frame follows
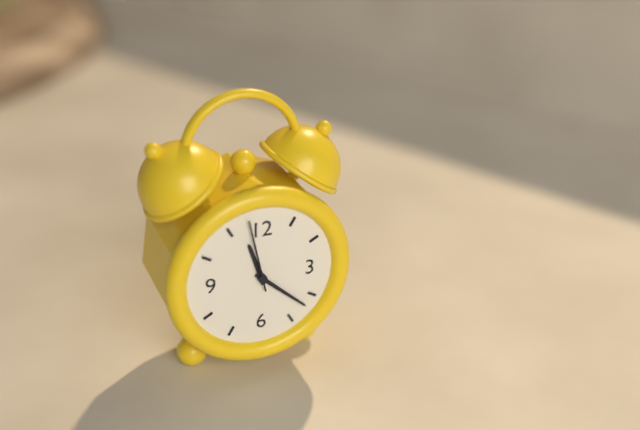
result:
11,22,58
